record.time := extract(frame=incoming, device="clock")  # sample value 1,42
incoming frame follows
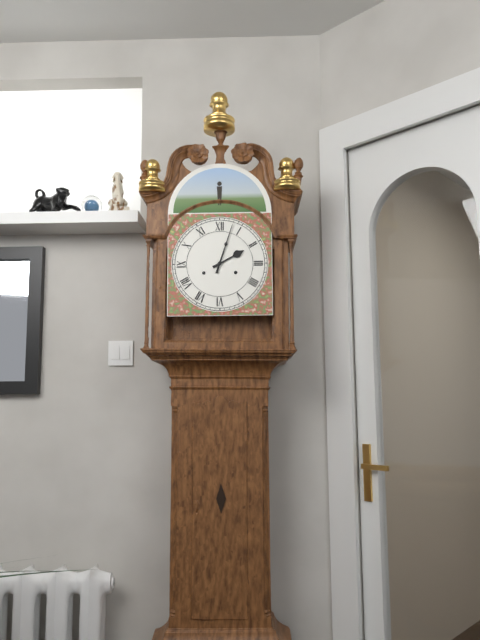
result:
2,03
